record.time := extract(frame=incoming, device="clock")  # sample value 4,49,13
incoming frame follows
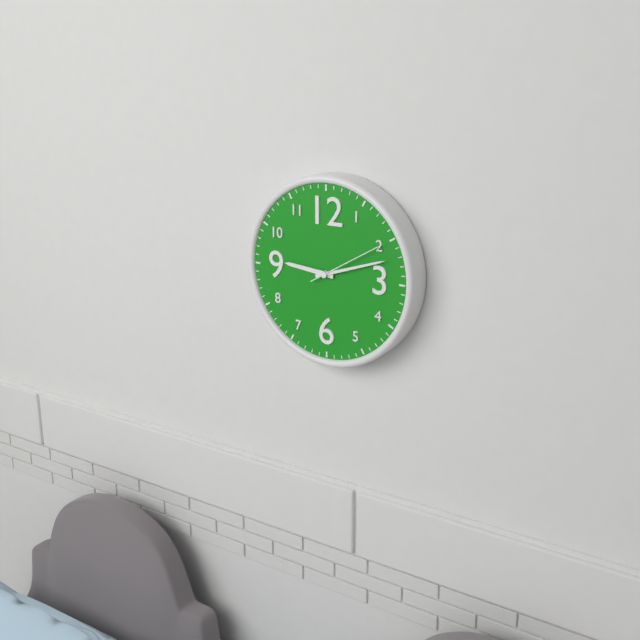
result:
9,12,10
